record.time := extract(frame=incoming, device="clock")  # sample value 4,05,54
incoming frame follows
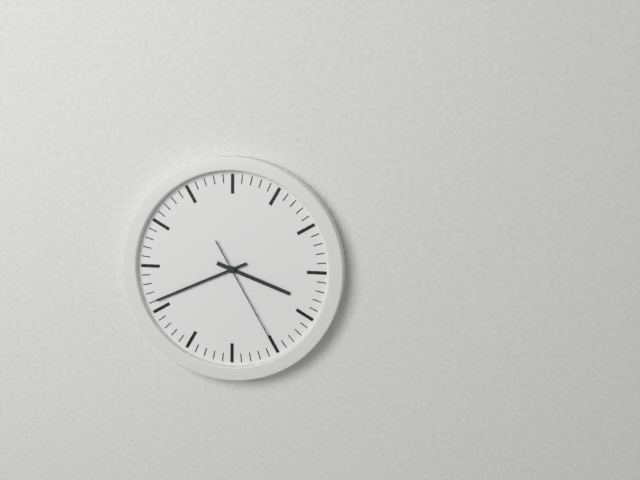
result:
3,41,25
